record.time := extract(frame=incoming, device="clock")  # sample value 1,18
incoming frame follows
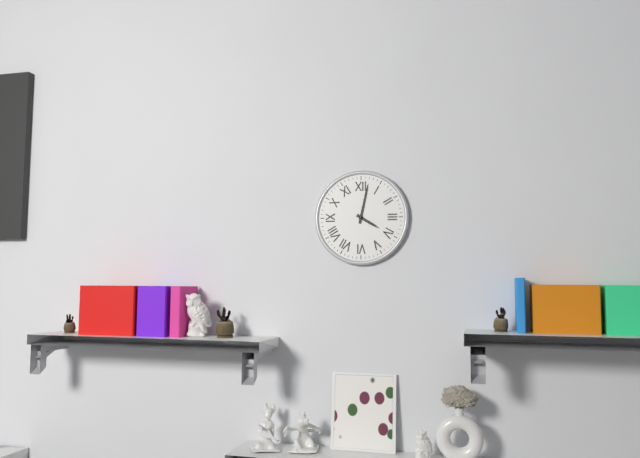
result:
4,02
